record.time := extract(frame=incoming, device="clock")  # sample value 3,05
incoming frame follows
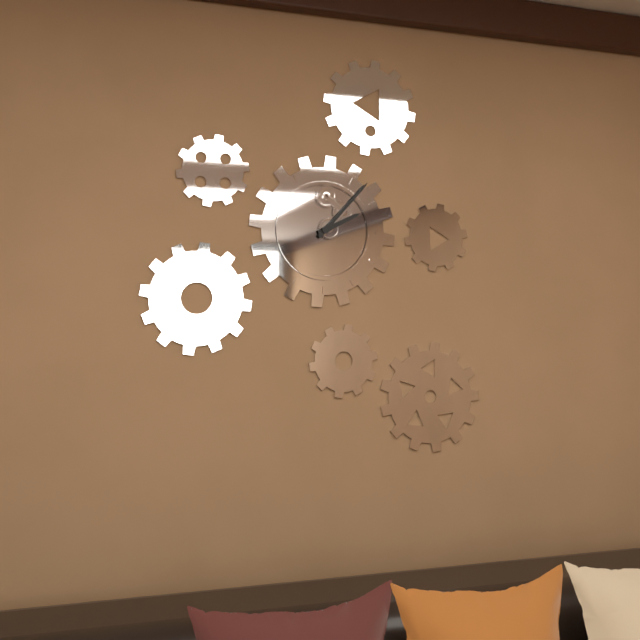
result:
2,07
